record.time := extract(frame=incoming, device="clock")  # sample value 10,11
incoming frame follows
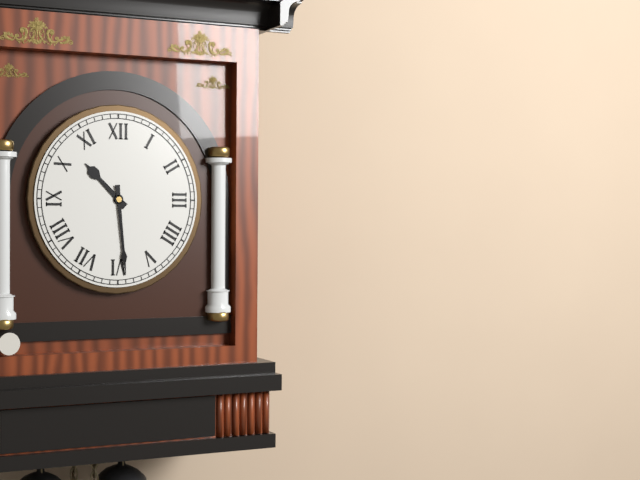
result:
10,29
